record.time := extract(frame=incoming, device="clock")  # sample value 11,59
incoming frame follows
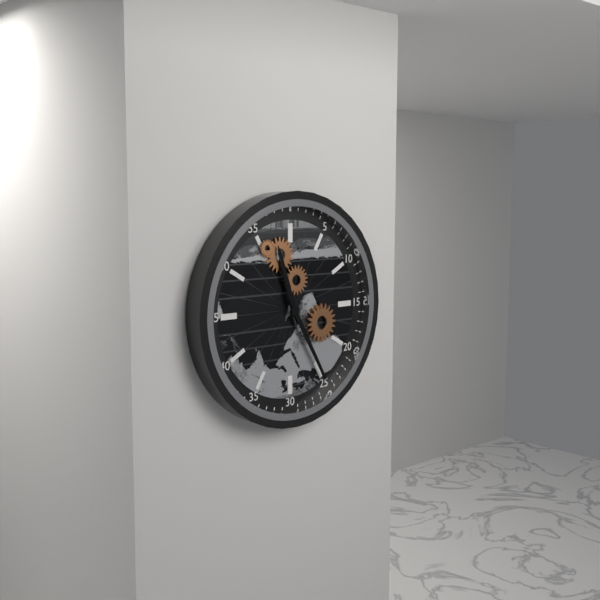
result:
11,25
